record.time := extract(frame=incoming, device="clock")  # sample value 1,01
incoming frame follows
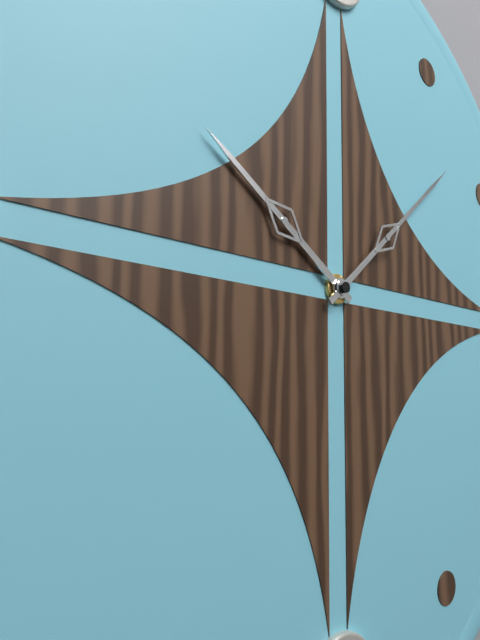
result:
10,08
